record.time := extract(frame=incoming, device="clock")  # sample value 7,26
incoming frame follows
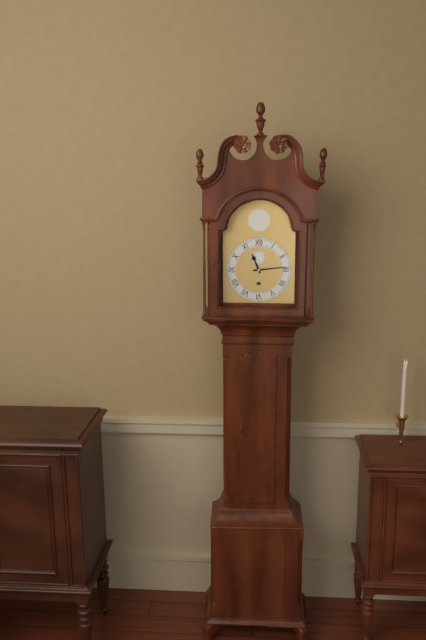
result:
11,14
